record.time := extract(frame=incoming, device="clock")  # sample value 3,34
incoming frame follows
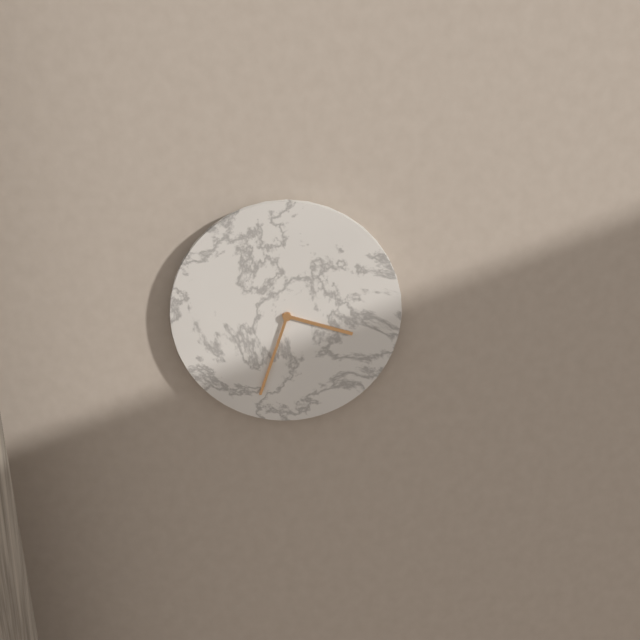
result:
3,33
